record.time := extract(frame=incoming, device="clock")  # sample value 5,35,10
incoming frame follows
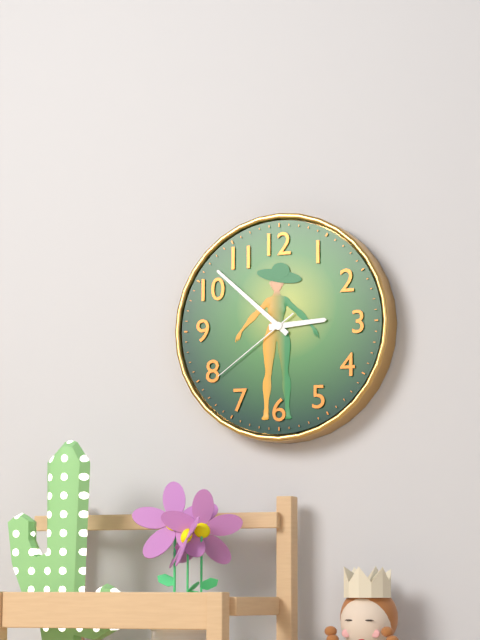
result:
2,52,39
